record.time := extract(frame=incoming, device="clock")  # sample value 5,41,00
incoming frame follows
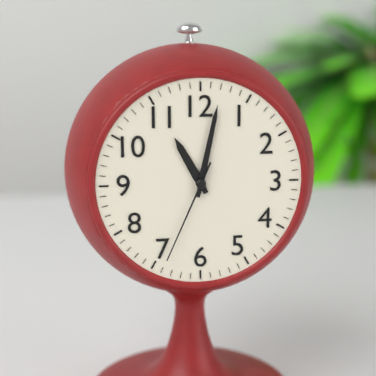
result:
11,02,34
